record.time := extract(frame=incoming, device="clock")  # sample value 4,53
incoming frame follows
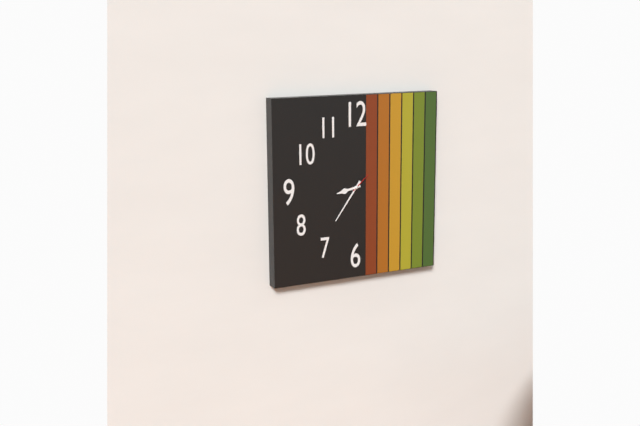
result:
8,36
